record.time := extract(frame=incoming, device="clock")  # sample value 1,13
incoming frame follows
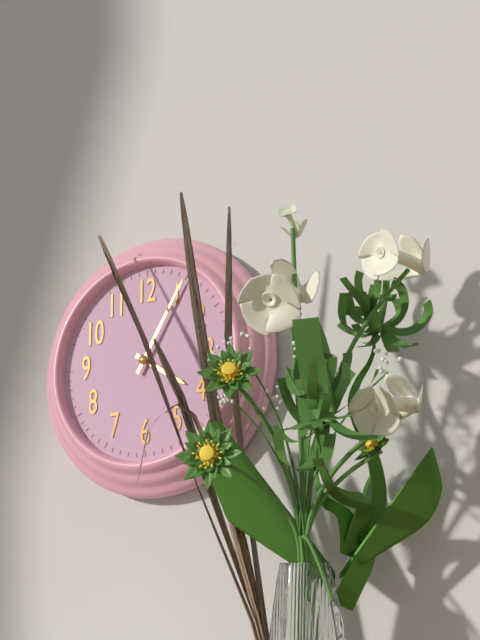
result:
4,05
